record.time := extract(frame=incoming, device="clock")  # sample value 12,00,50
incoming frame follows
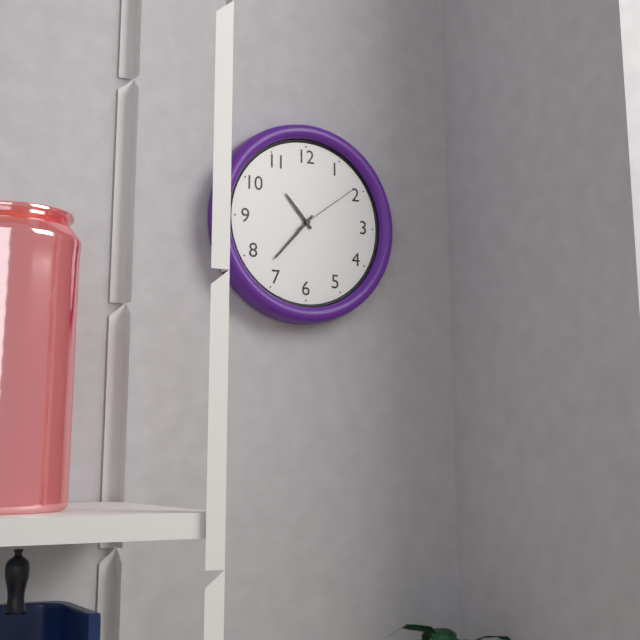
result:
10,37,09
